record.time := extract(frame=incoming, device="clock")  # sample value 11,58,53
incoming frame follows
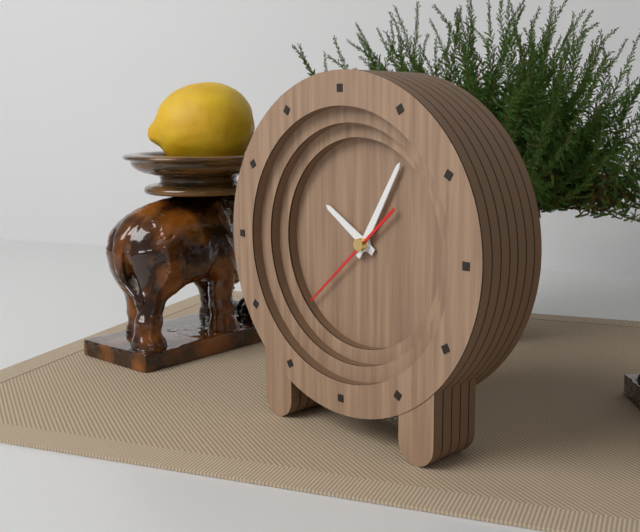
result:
10,05,38
